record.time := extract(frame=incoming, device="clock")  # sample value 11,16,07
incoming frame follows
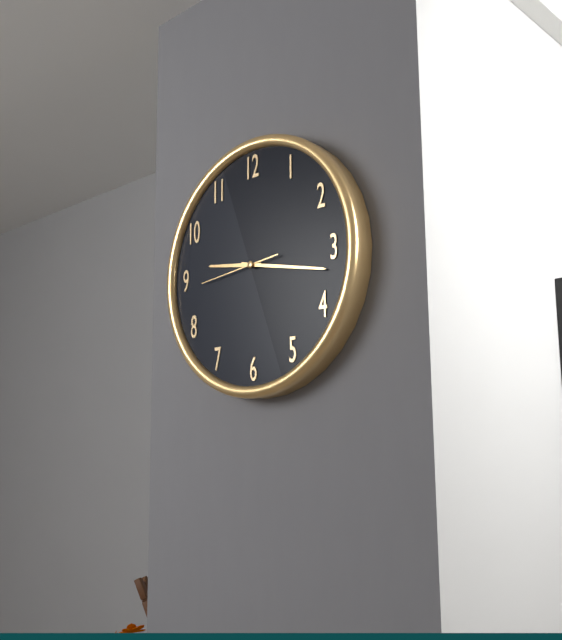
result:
9,17,44
